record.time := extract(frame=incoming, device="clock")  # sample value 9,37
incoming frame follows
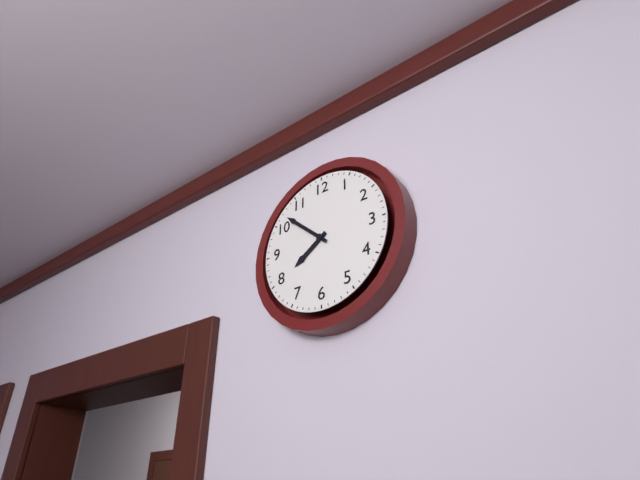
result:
7,52
